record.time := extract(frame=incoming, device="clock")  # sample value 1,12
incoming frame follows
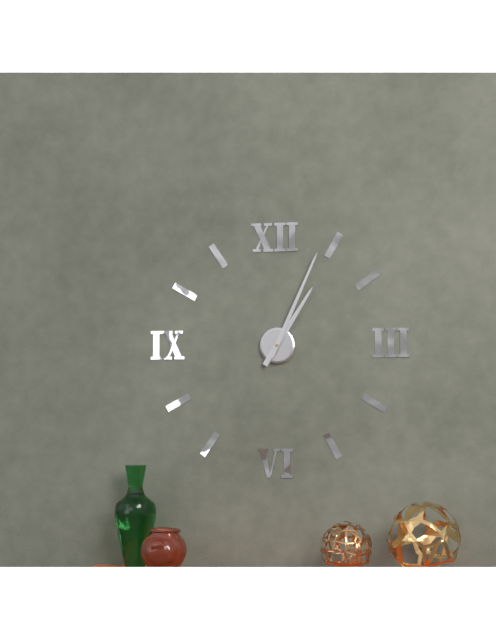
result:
1,04
